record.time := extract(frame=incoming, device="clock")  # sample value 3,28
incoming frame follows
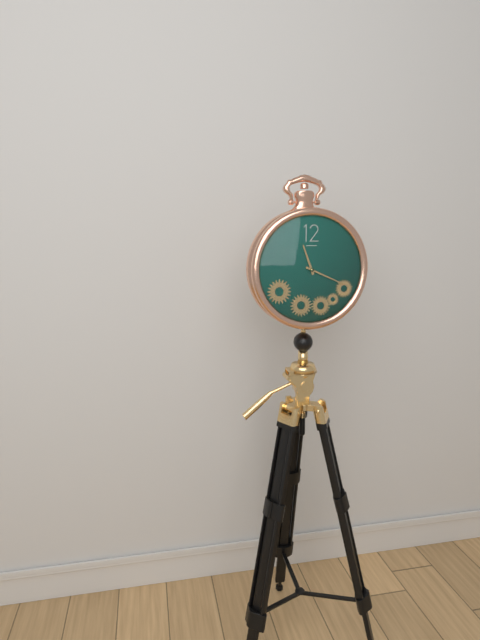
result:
11,19
